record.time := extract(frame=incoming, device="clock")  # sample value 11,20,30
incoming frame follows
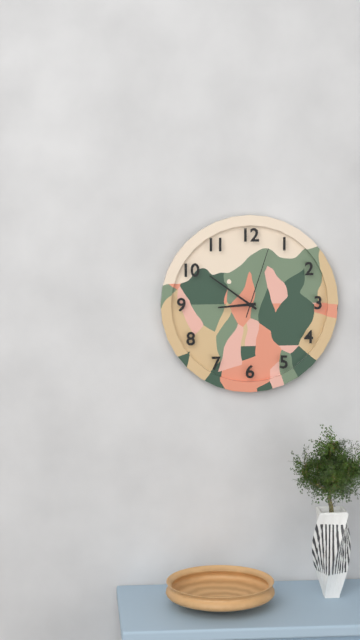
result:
8,51,03
